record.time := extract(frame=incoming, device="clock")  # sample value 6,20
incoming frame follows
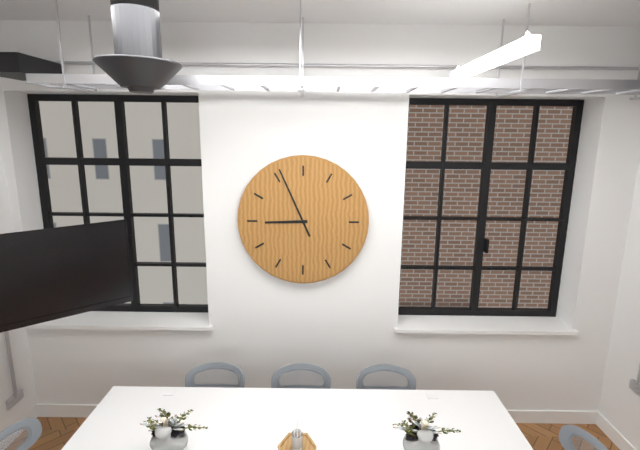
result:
8,56
